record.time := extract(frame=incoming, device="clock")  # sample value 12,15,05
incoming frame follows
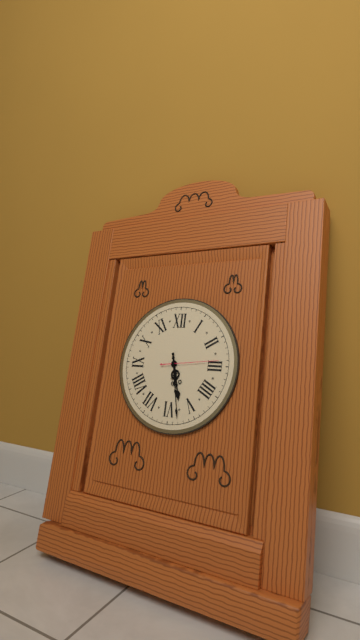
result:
5,28,14
